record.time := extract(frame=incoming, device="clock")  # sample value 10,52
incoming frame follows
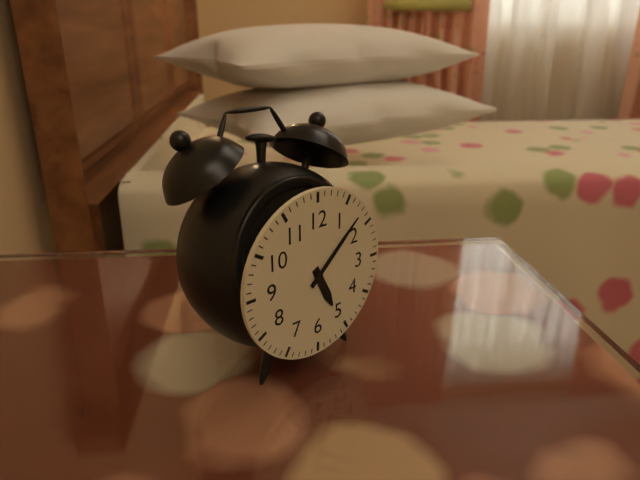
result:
5,08
